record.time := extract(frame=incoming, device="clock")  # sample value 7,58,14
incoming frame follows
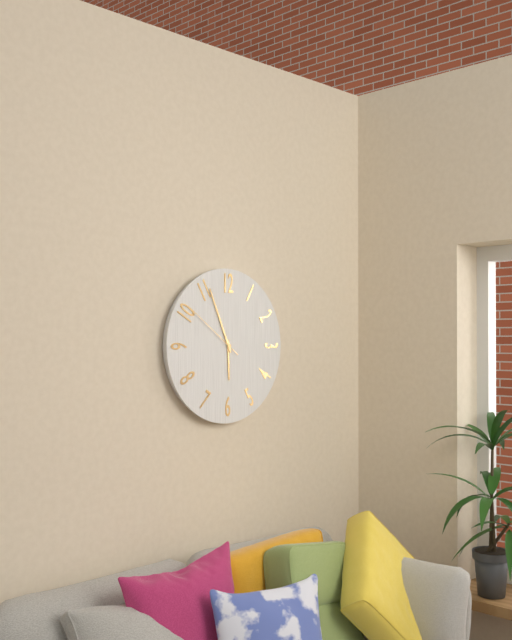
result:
5,56,51
